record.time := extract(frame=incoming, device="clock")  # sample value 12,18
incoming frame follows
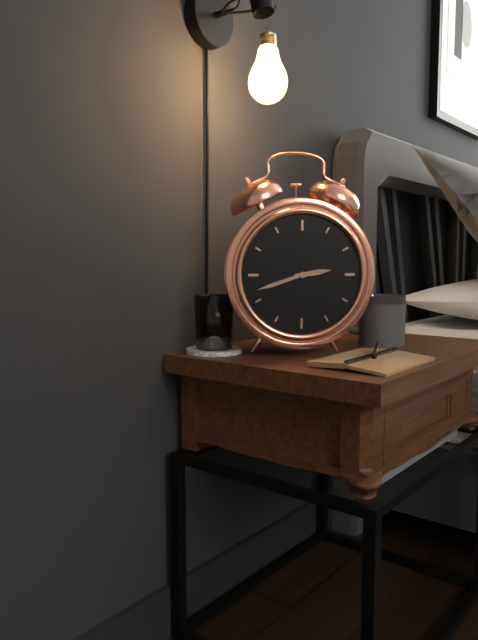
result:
2,42
